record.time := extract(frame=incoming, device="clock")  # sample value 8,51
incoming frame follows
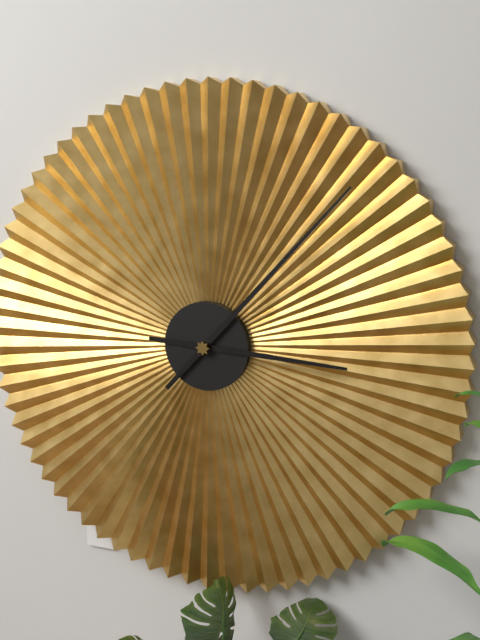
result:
3,07
